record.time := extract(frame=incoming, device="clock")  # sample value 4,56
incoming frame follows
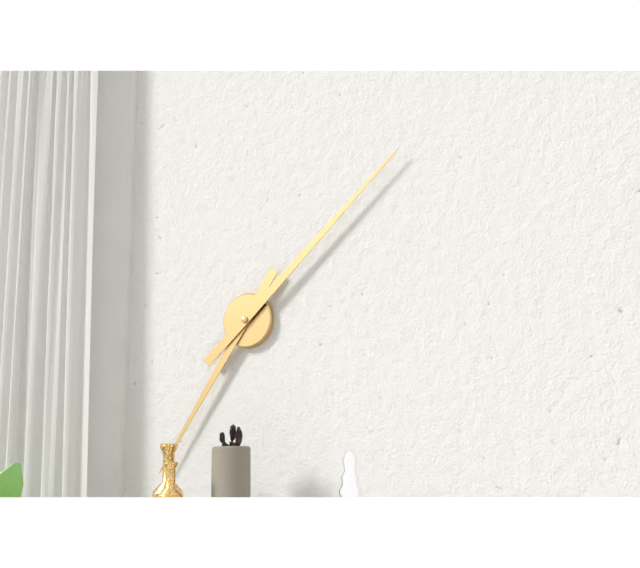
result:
7,08
